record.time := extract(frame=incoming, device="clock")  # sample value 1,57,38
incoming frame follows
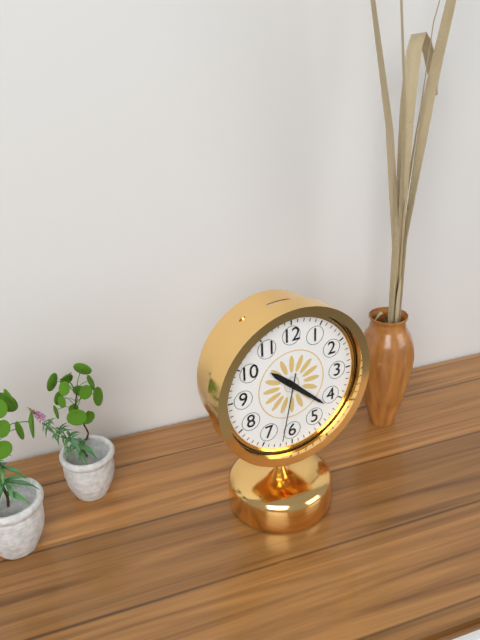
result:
10,22,32
